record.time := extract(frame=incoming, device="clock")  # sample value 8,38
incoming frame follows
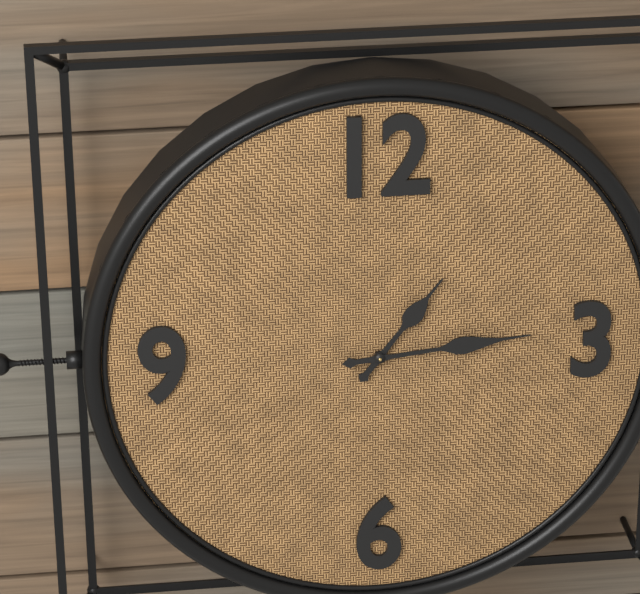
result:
1,14
